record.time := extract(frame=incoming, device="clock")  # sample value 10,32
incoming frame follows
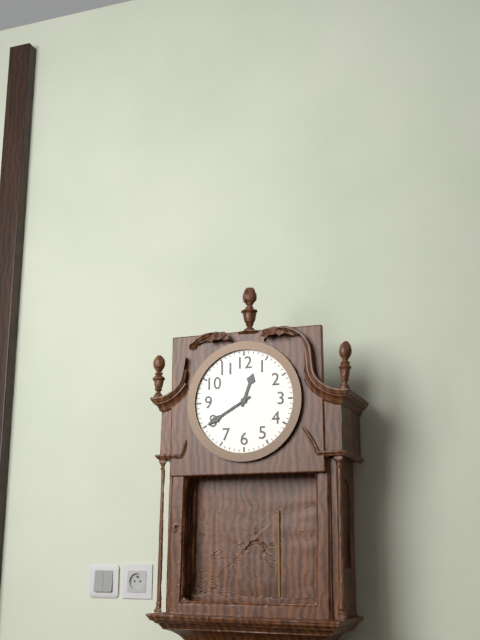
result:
12,40
